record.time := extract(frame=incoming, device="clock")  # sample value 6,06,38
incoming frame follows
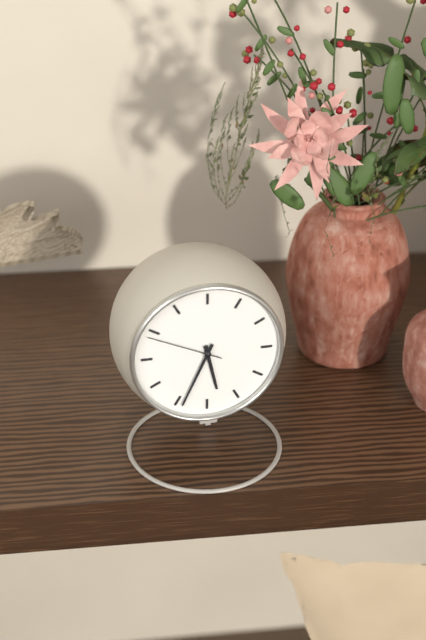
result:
5,34,49
